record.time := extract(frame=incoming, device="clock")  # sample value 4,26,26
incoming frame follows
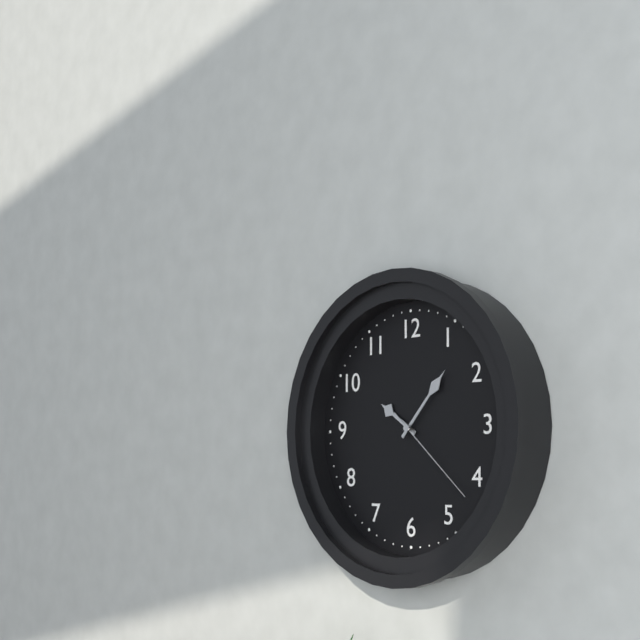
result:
10,07,22
